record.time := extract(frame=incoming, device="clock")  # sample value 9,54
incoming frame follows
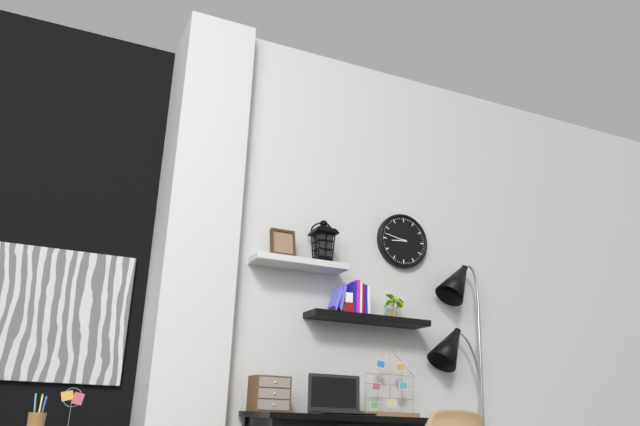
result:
8,47
